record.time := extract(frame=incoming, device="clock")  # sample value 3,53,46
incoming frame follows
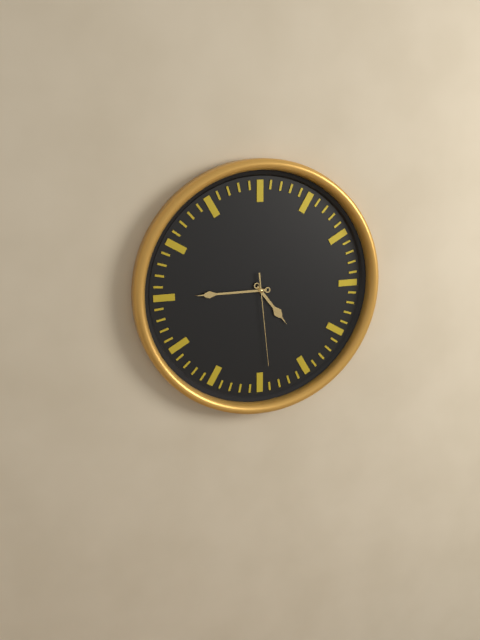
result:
4,45,29
